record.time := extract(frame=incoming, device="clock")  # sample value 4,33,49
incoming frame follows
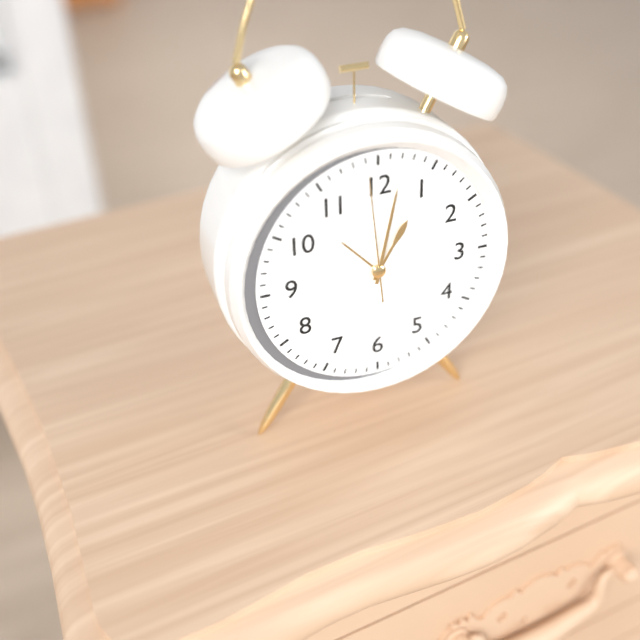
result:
1,02,59
